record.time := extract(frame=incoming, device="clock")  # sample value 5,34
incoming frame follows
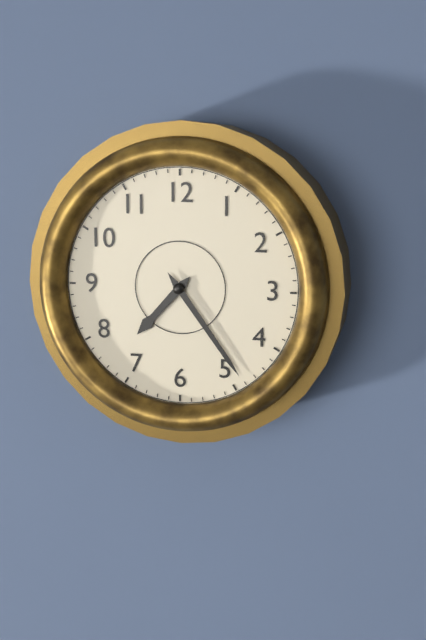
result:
7,24
